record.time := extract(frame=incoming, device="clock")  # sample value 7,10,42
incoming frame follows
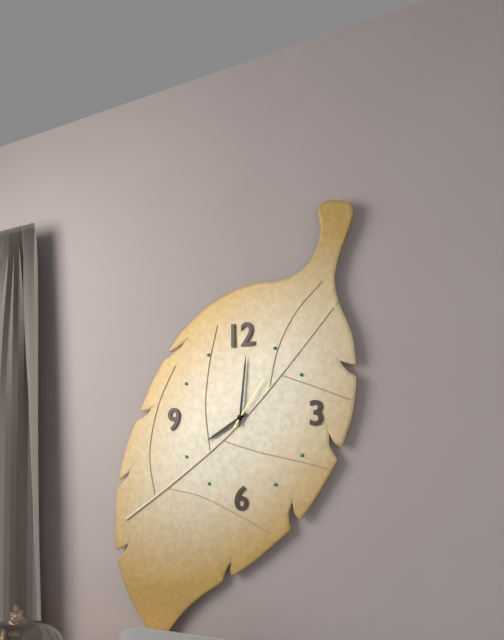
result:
8,01,06
